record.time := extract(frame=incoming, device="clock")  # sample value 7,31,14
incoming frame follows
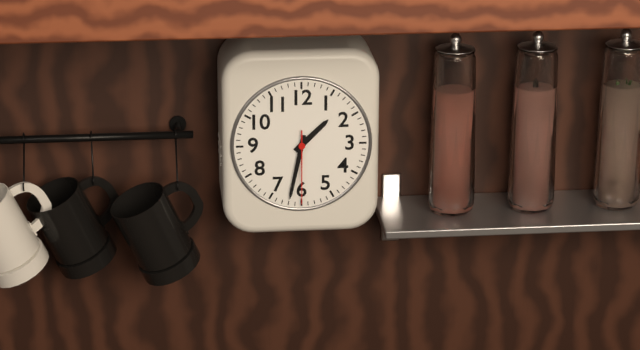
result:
1,32,30
